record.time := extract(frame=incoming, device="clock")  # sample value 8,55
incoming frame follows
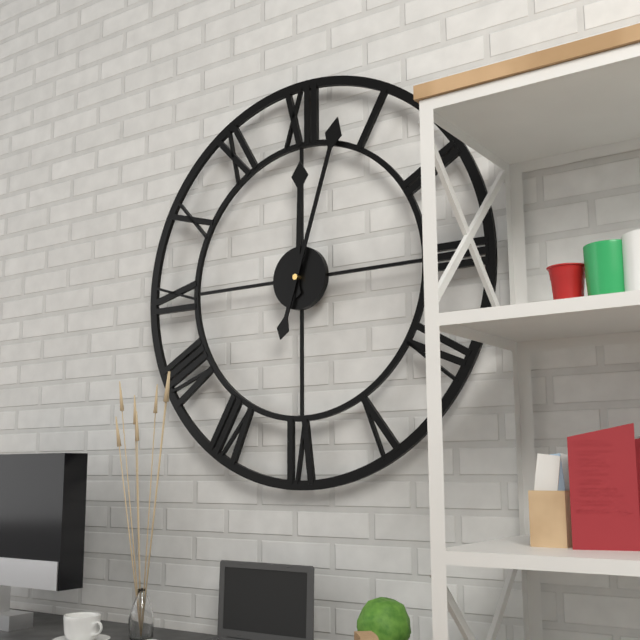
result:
12,03
